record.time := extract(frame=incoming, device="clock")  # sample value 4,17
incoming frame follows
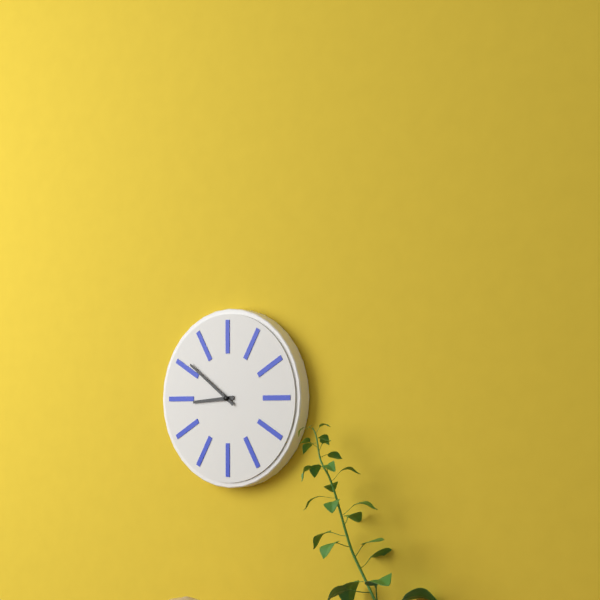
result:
8,51
